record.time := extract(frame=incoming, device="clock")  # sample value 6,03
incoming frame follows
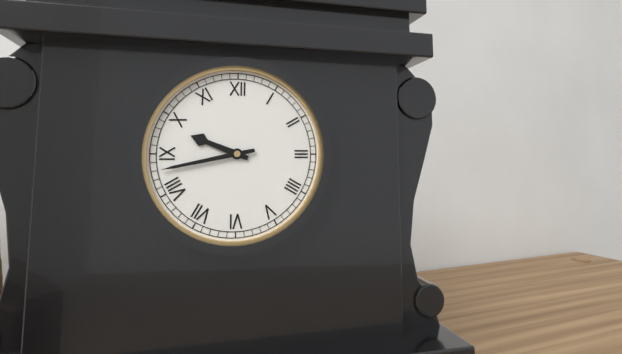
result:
9,43
